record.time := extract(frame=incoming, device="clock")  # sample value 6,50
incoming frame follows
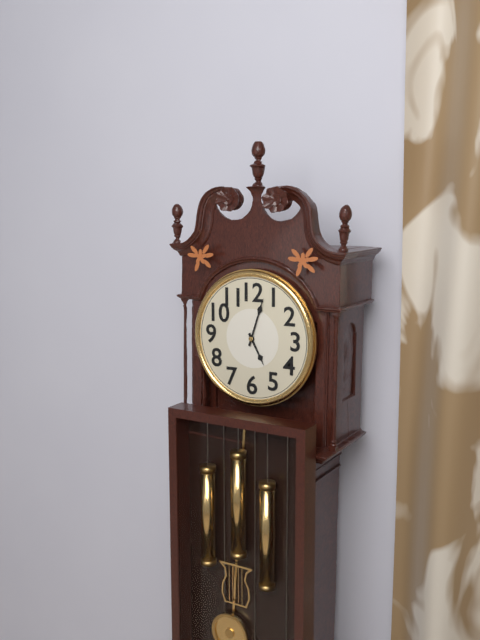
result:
5,03
